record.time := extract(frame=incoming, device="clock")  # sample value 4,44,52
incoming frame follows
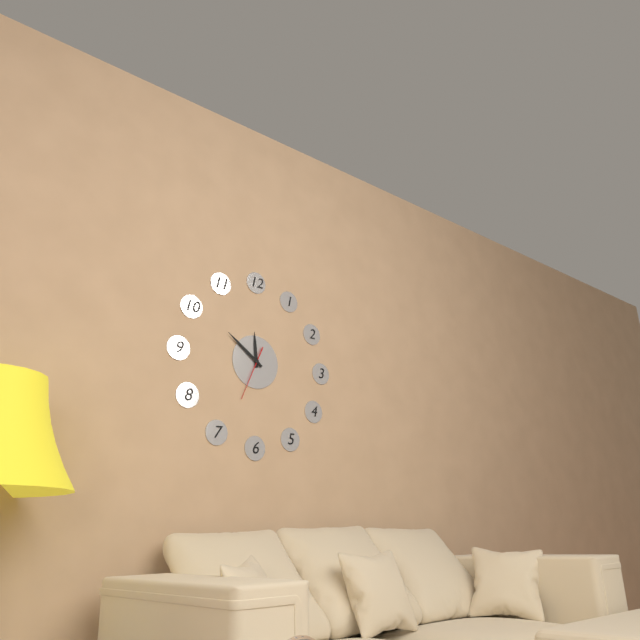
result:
11,51,34
